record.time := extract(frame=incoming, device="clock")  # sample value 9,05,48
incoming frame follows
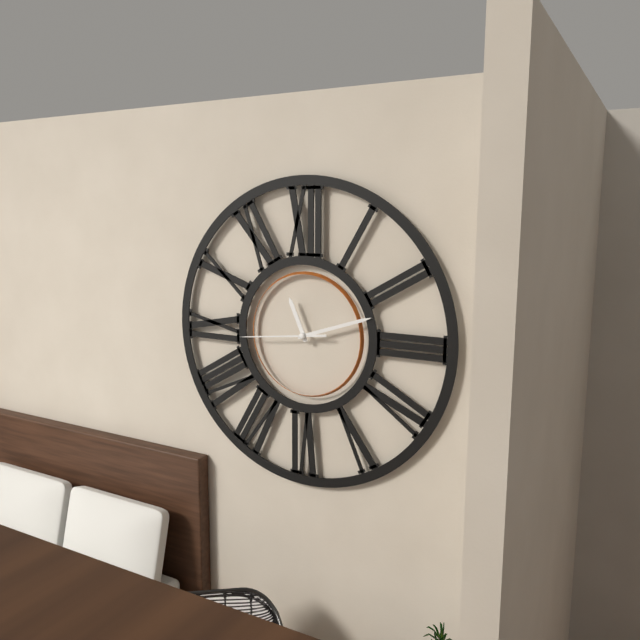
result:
11,12,44
